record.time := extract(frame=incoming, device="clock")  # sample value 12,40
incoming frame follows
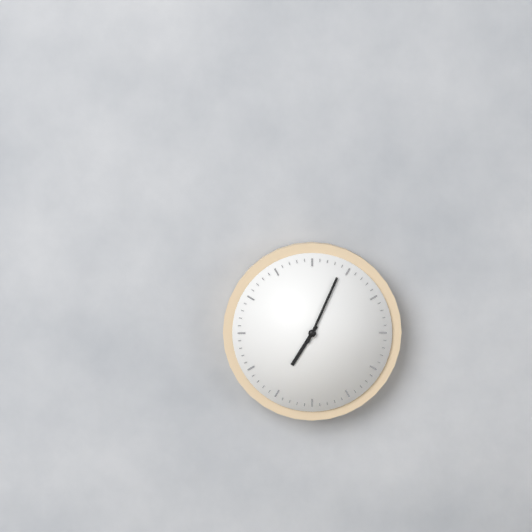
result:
7,04
